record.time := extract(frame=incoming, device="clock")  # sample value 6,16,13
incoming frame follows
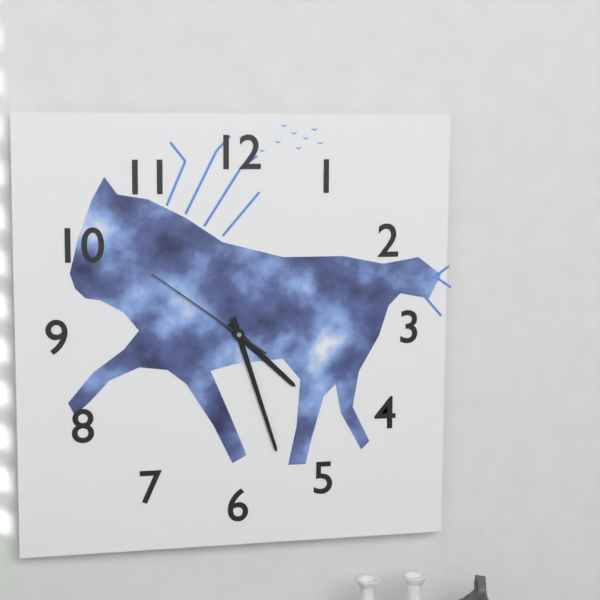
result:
4,27,51
